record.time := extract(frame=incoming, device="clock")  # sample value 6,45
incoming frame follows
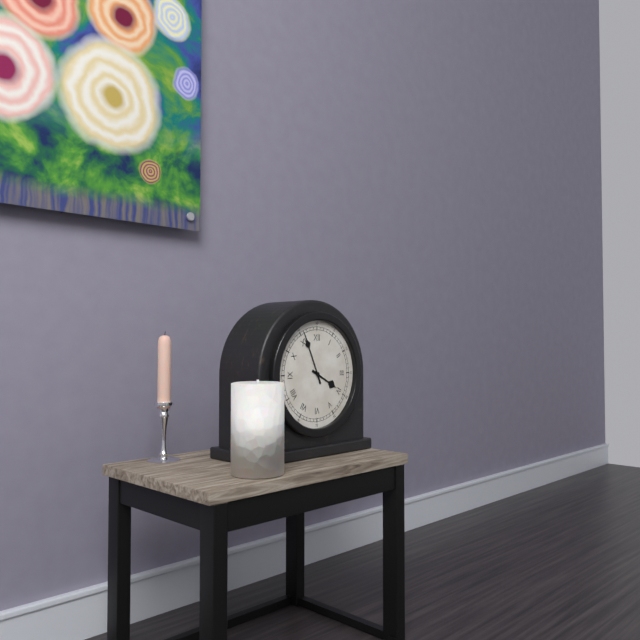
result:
3,56
